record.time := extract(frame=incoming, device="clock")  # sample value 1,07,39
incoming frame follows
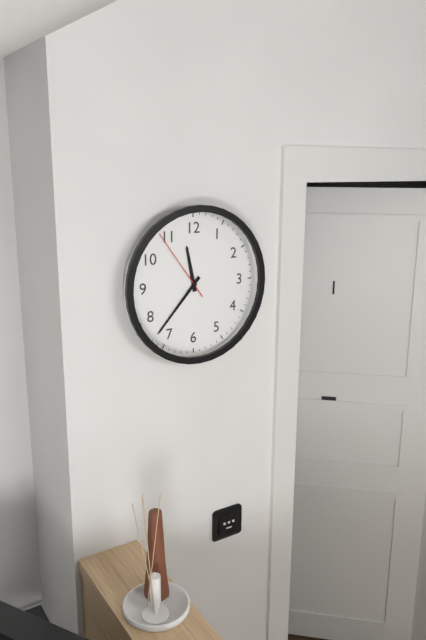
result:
11,37,54
